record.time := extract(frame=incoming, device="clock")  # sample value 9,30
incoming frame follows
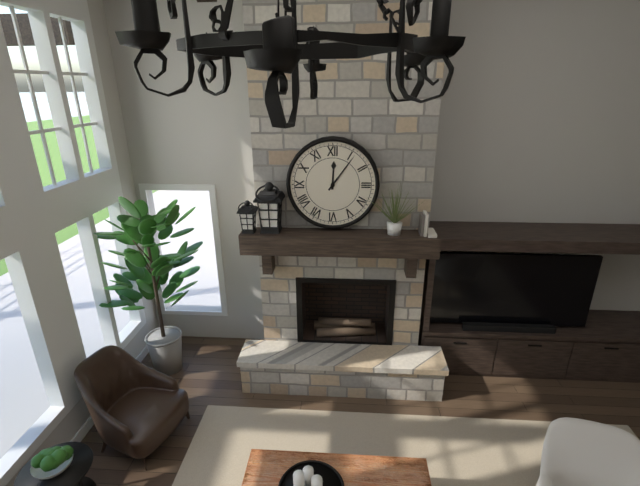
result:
12,06
